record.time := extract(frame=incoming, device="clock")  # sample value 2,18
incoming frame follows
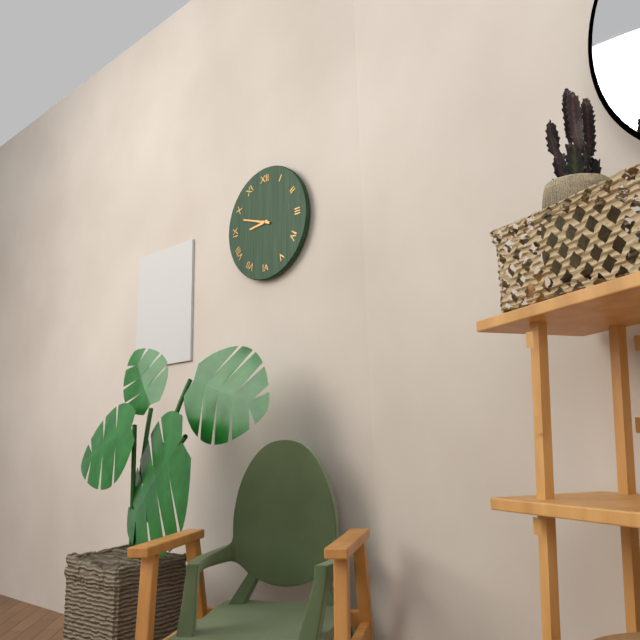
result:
8,48
